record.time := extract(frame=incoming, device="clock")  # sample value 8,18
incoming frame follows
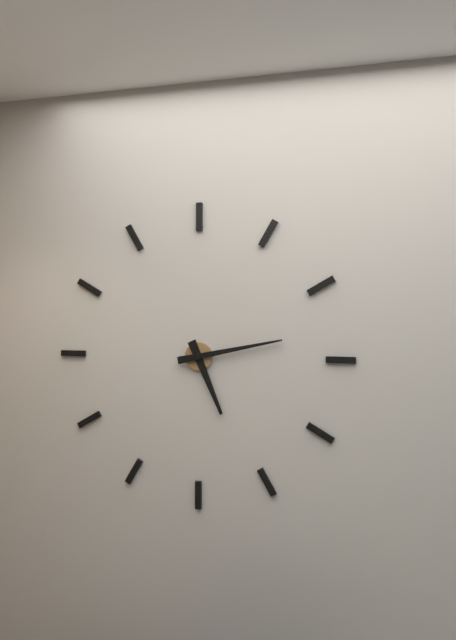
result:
5,13
